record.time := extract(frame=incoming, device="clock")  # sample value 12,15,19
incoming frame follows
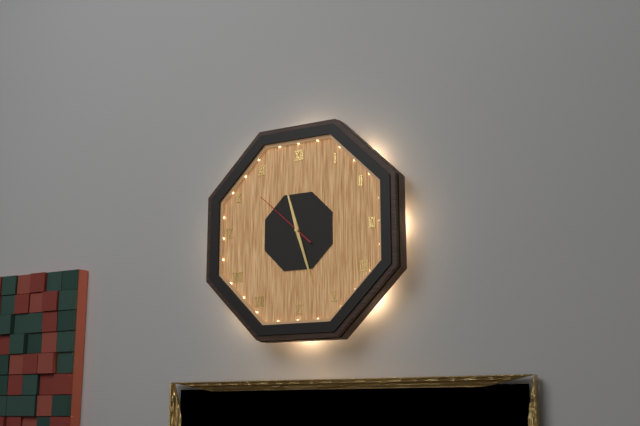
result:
11,27,52
